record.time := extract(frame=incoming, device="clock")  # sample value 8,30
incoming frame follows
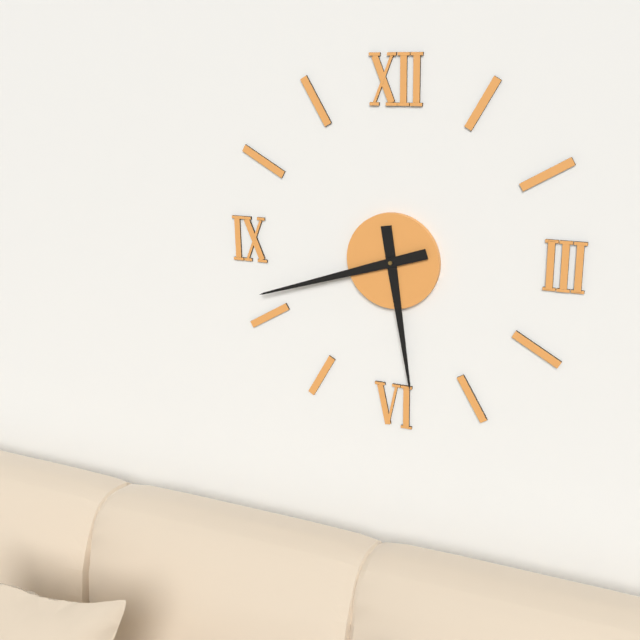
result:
5,42
